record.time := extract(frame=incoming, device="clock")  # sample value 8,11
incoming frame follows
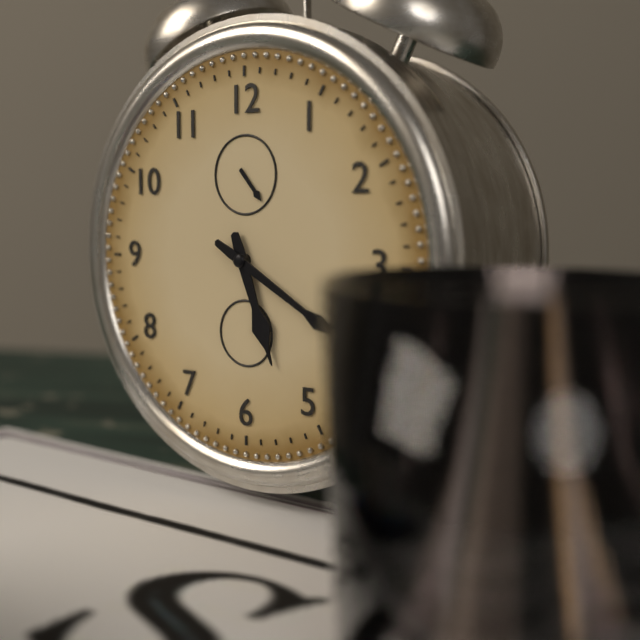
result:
5,20
